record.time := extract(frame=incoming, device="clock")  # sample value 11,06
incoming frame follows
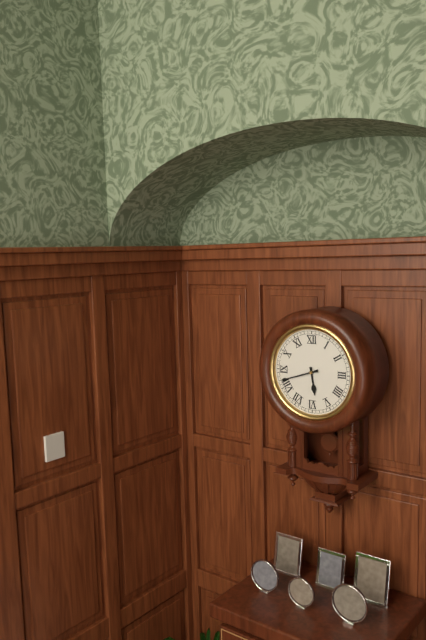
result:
5,42
